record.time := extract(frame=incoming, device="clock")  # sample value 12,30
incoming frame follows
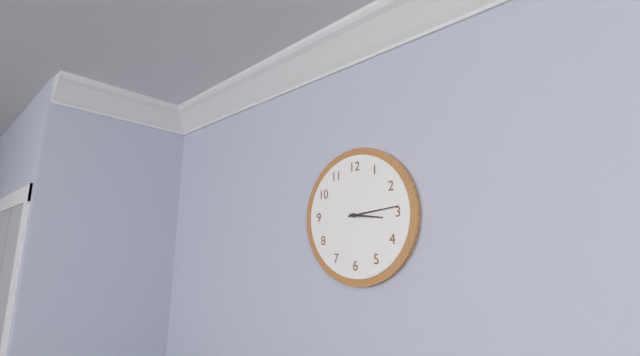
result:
3,14
